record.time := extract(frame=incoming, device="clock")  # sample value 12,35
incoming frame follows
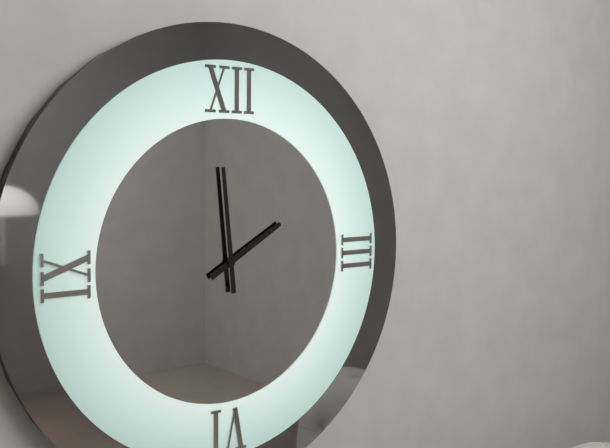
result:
1,59
